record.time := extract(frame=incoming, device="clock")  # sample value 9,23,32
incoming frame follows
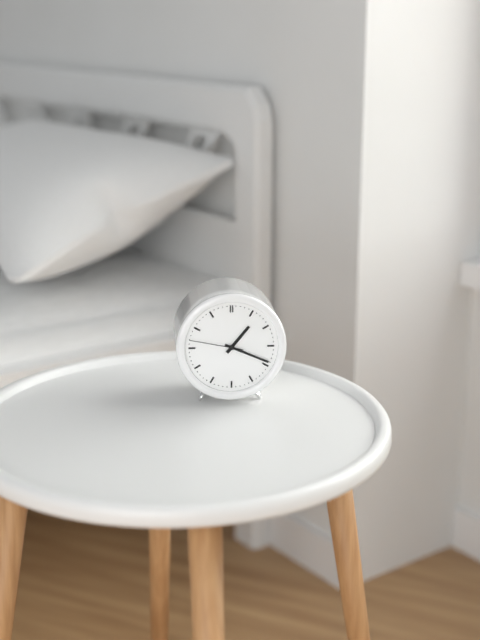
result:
1,19,47
